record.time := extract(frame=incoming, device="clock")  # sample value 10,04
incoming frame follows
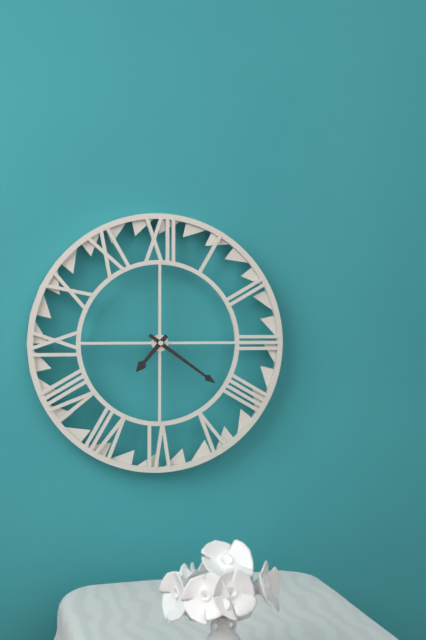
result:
7,21
